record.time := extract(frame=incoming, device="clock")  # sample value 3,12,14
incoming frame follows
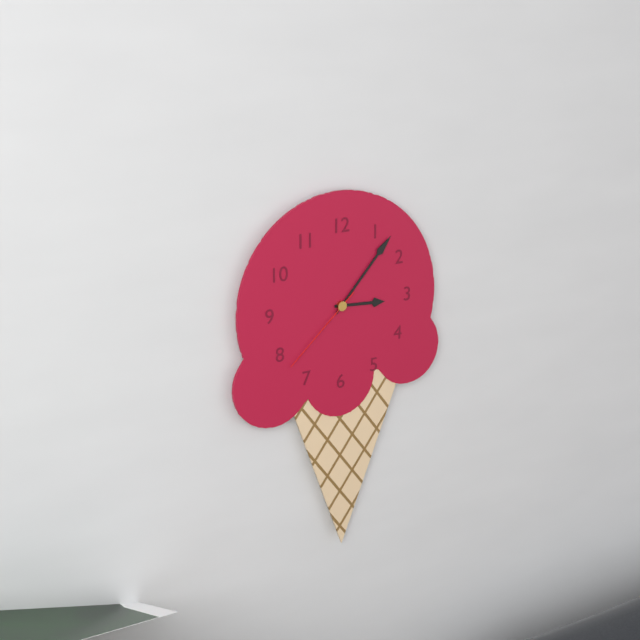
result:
3,07,38
